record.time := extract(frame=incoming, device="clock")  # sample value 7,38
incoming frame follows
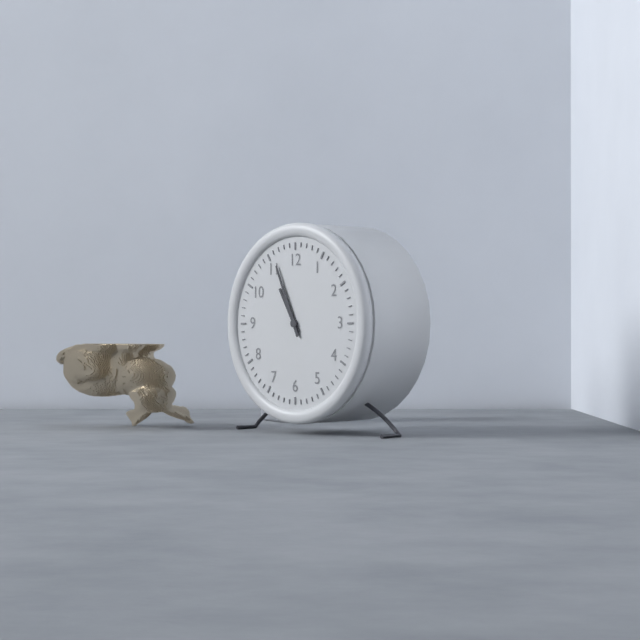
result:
10,56
